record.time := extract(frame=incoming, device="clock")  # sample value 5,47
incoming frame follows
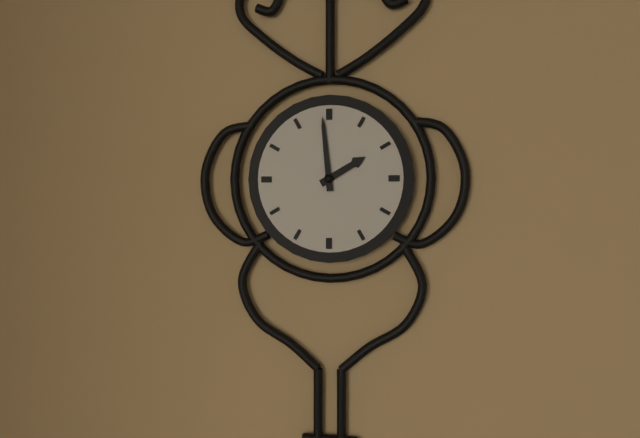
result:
1,59
